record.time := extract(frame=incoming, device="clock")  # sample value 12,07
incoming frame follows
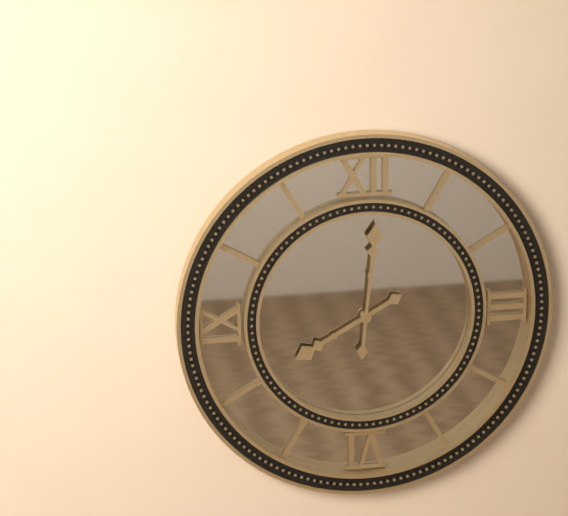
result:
8,01
